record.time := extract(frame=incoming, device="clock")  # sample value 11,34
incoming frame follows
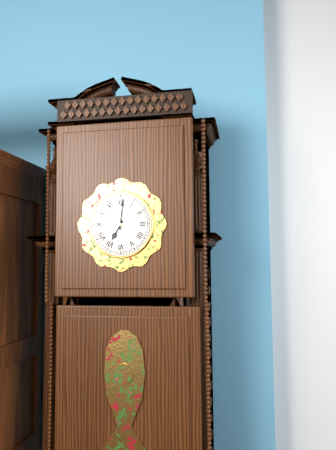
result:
7,01
